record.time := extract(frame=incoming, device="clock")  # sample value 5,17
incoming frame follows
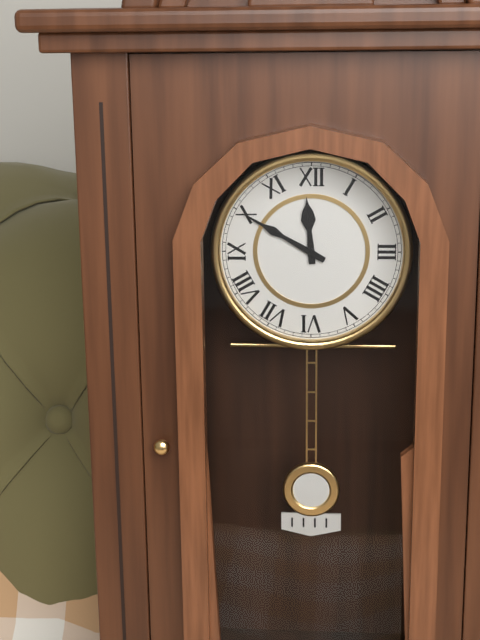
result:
11,50
